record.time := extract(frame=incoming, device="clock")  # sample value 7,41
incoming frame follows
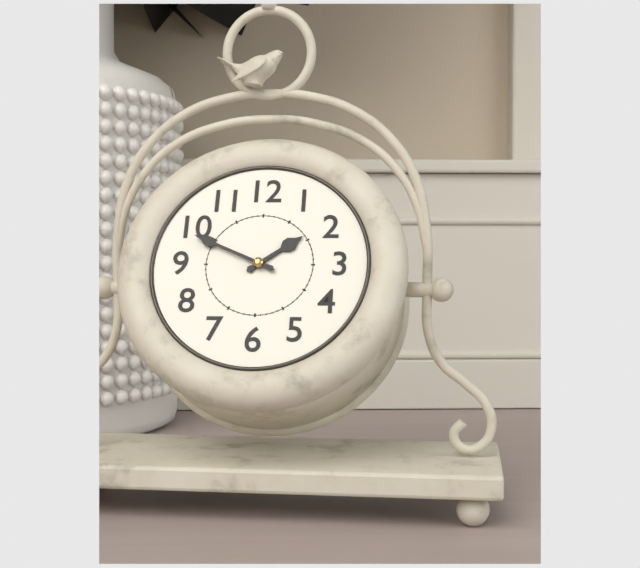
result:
1,49
